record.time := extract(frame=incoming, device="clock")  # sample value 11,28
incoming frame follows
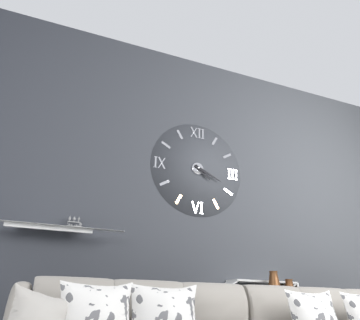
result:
4,19
